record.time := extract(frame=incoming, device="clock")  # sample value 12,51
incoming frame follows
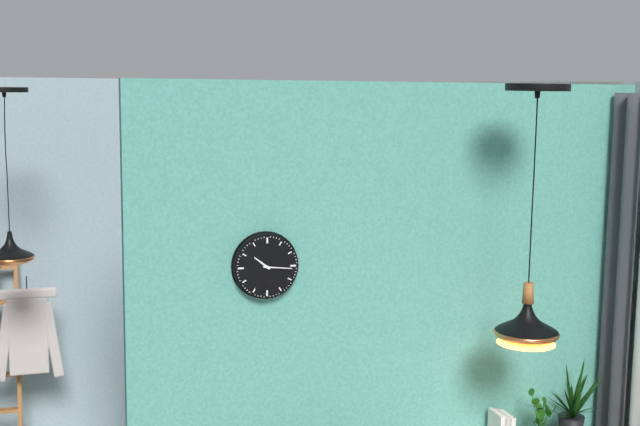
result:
10,16
